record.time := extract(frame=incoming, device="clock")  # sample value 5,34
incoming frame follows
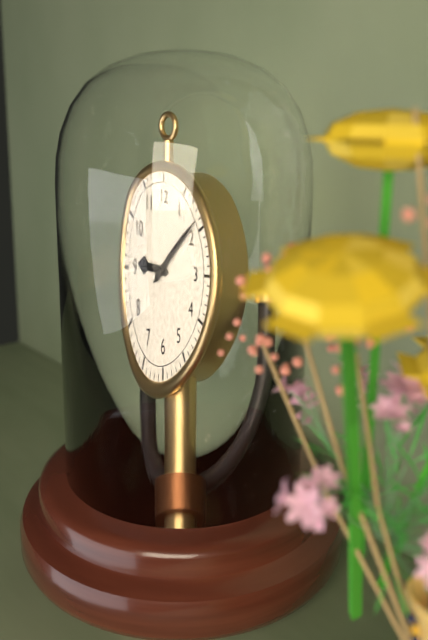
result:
9,09
